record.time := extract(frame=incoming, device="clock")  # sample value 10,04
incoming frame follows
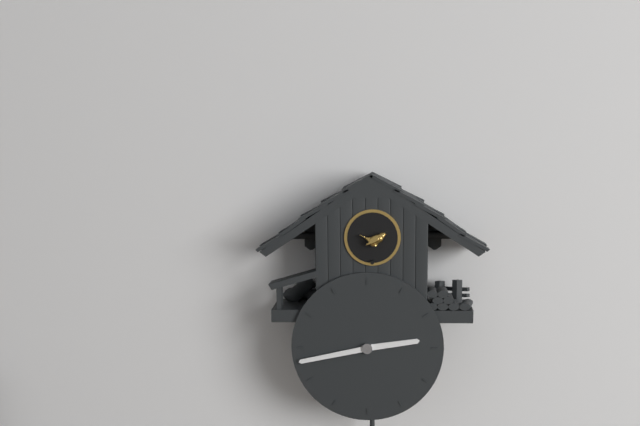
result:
2,43
